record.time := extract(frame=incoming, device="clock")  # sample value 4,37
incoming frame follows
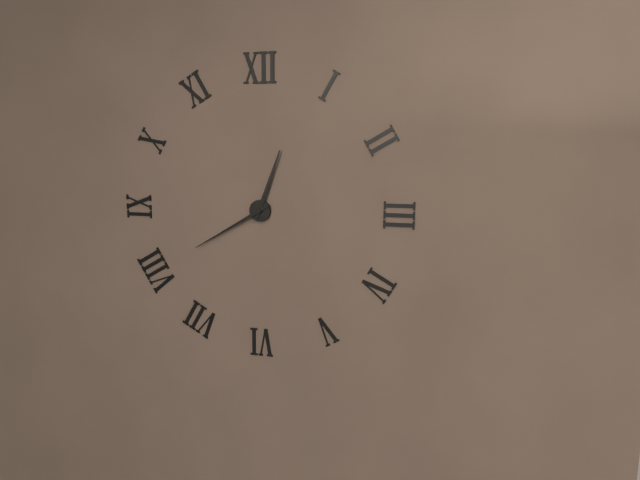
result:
12,40
